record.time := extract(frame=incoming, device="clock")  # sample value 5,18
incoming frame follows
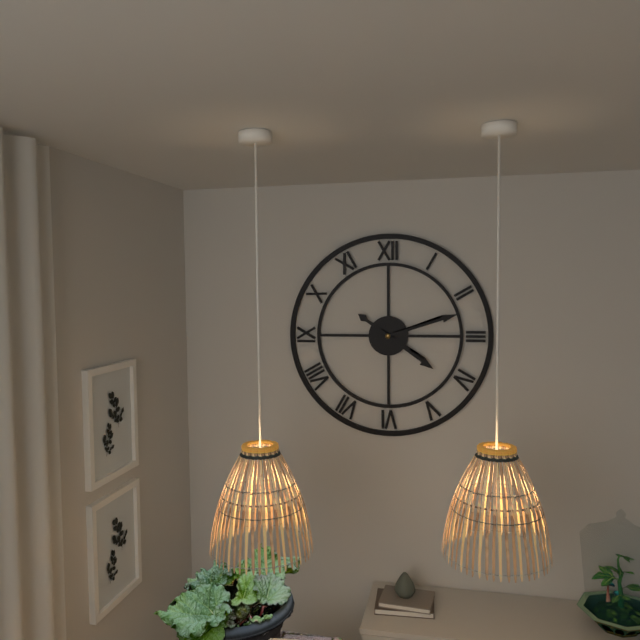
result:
4,12
